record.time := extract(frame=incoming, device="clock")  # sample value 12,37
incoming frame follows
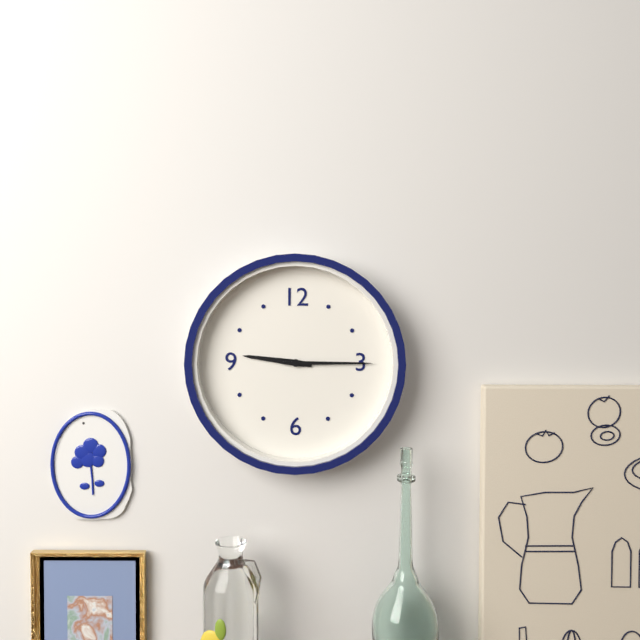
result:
9,15
